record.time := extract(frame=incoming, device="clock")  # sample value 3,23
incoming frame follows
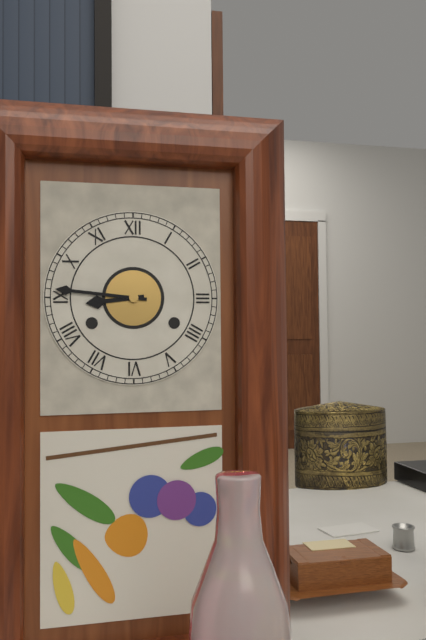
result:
8,46
